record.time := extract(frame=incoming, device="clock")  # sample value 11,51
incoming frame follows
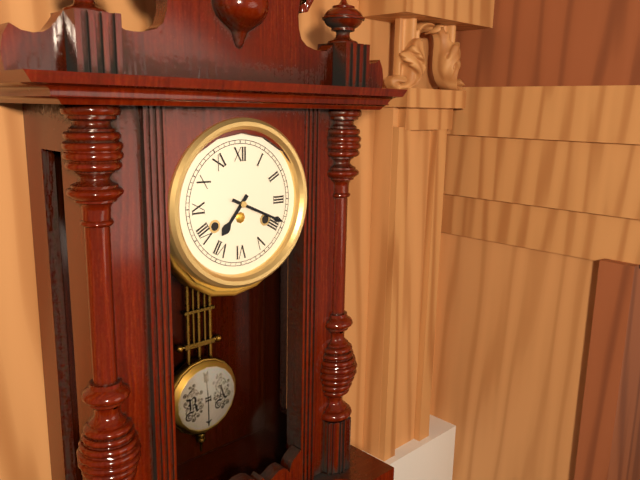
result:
7,19
